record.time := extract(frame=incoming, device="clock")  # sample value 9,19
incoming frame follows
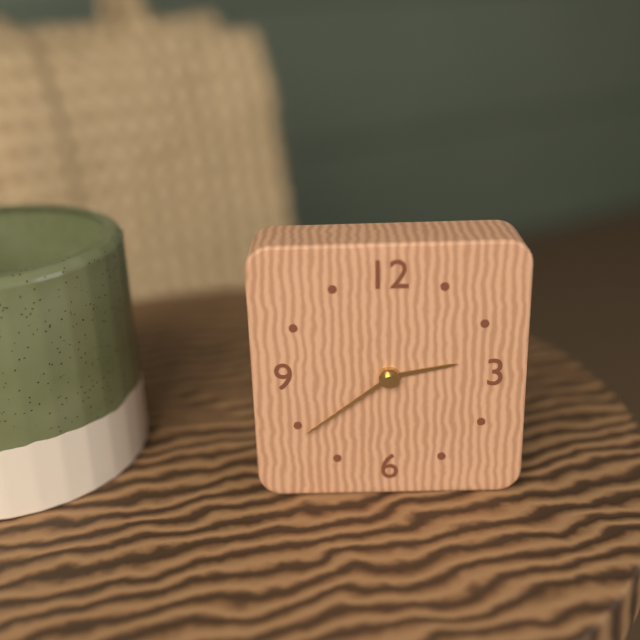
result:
2,39
